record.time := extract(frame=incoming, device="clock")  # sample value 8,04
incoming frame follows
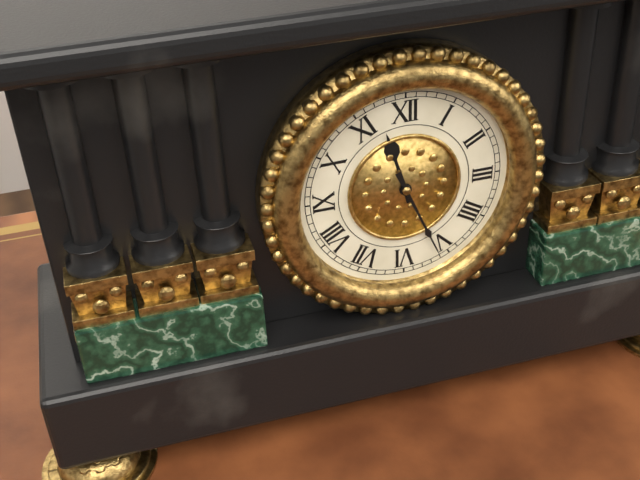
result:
11,26
